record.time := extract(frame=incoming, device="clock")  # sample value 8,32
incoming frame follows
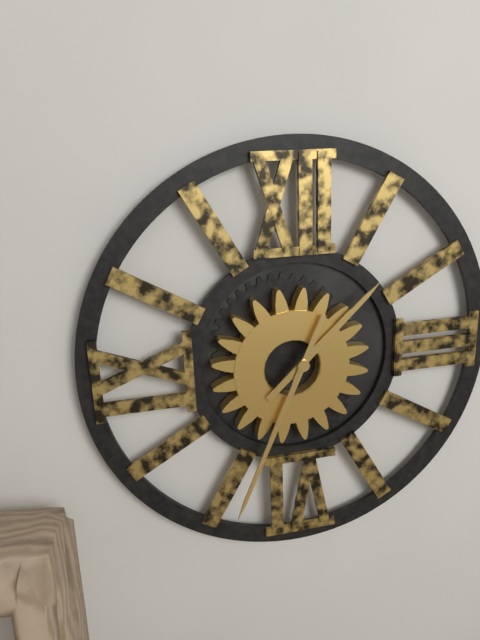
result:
1,34
